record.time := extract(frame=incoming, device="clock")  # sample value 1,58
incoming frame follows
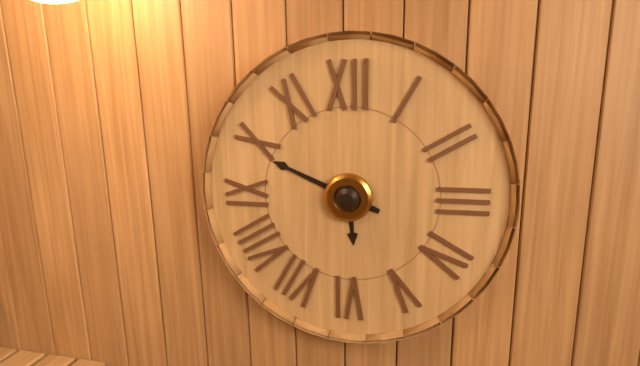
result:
5,49
